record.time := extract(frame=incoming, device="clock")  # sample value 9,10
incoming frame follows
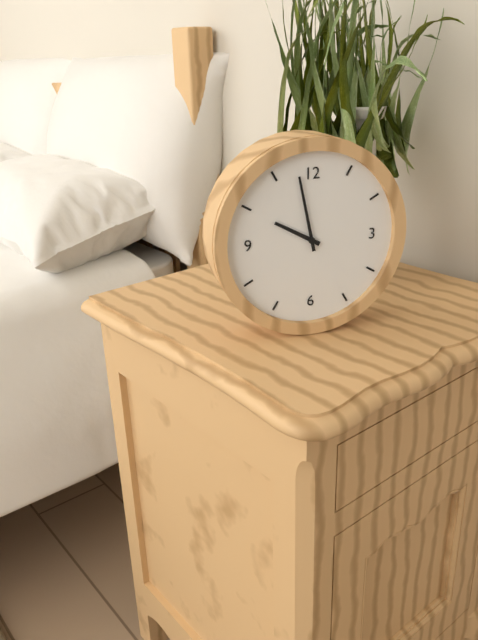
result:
9,58
